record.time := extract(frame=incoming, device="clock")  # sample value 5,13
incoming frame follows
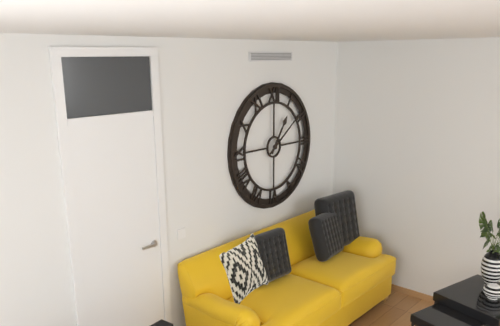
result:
1,09
